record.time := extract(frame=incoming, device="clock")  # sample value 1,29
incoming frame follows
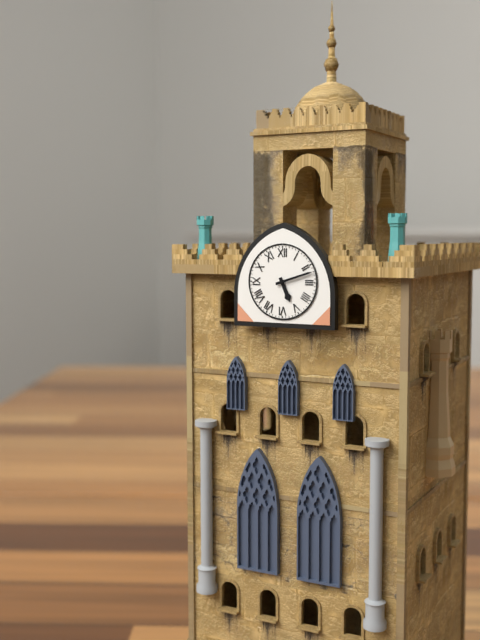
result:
5,12
